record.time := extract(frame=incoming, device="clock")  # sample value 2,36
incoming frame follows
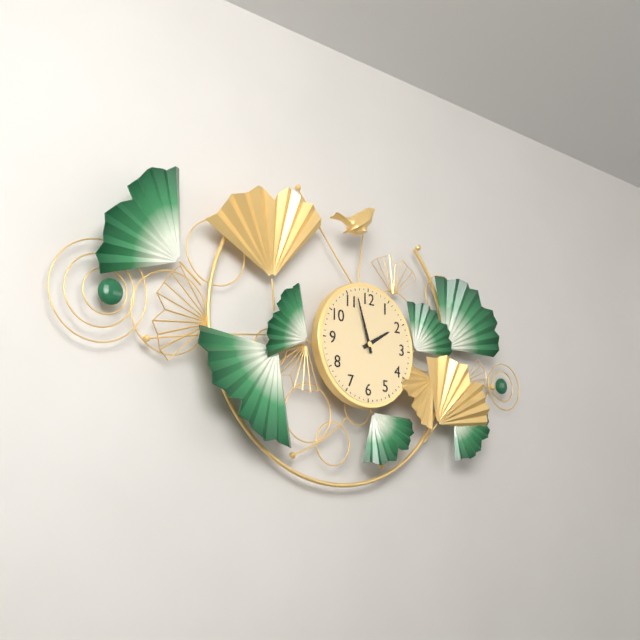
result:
1,57
